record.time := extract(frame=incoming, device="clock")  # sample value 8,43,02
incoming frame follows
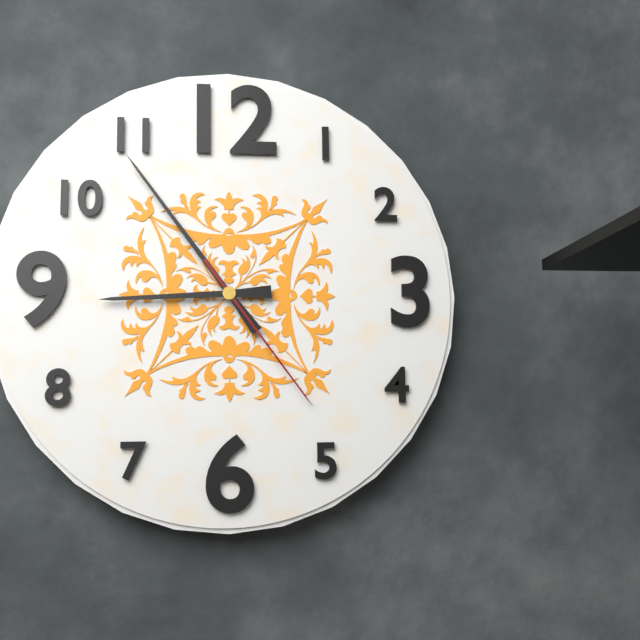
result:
8,54,24
